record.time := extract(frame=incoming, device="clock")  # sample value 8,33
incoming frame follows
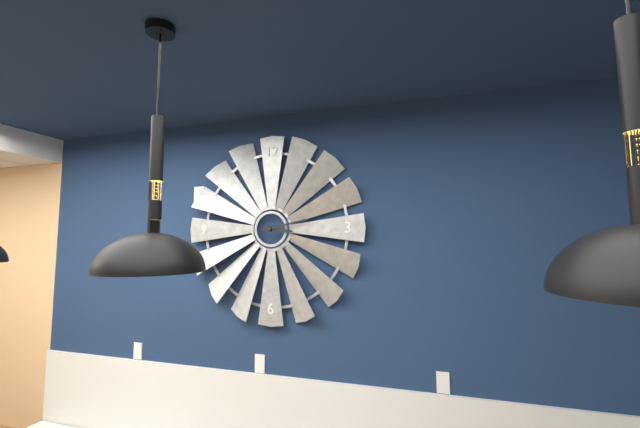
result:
3,13
